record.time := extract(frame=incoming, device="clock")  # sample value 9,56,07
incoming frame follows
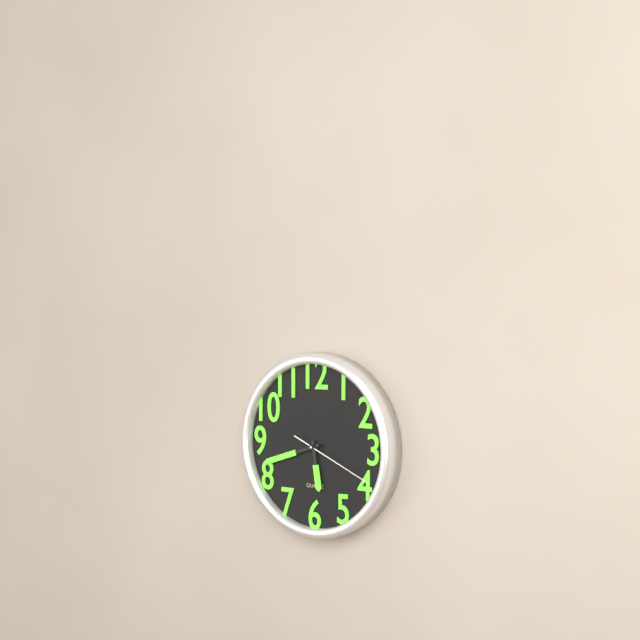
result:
5,42,19
